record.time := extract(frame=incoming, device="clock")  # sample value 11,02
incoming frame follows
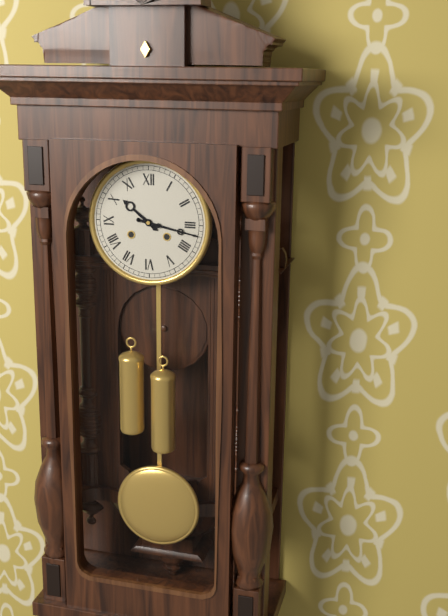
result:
10,17
